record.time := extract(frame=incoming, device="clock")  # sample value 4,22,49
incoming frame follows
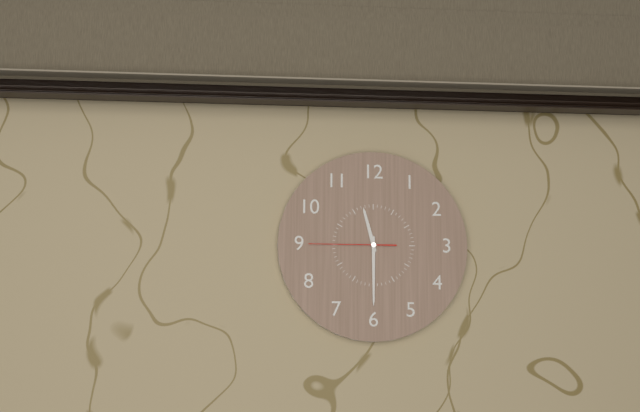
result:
11,30,45
